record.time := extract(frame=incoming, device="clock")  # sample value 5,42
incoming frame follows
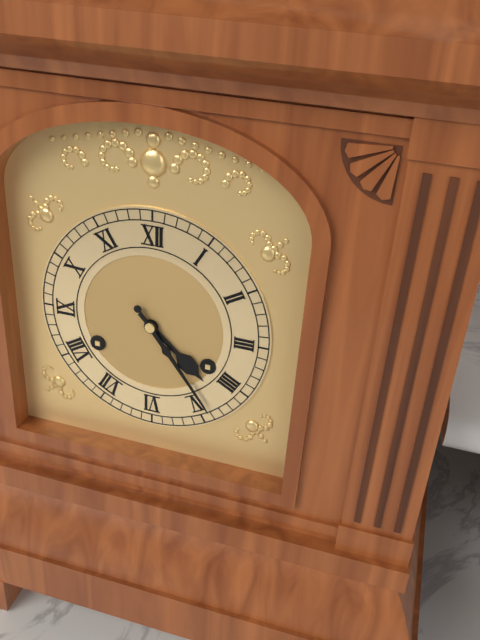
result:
4,24
